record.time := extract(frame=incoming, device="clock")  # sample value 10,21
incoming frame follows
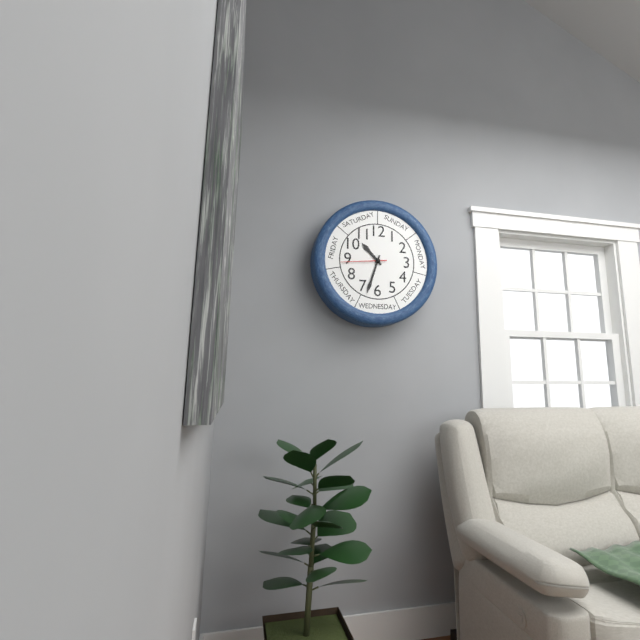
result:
10,33
